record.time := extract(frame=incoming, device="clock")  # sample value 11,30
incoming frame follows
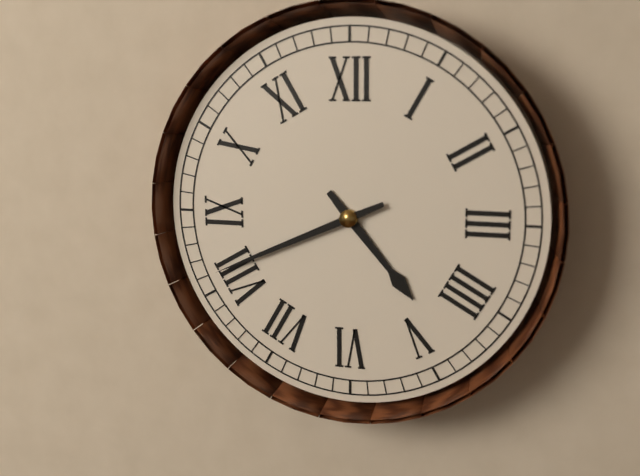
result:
4,41
